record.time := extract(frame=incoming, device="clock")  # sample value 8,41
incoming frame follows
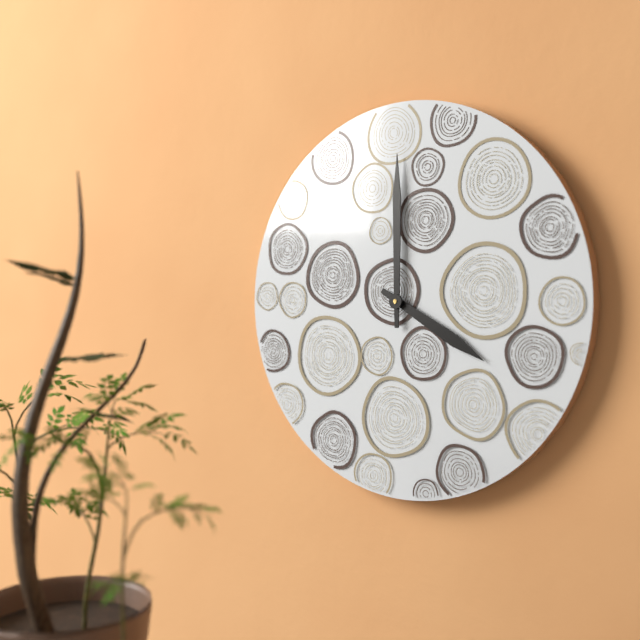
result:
4,00
